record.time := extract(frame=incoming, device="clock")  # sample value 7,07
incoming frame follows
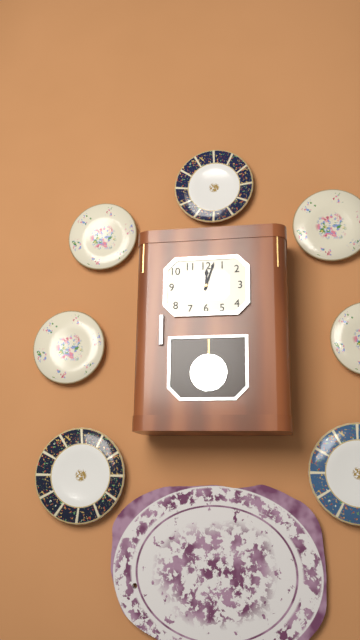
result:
12,03
